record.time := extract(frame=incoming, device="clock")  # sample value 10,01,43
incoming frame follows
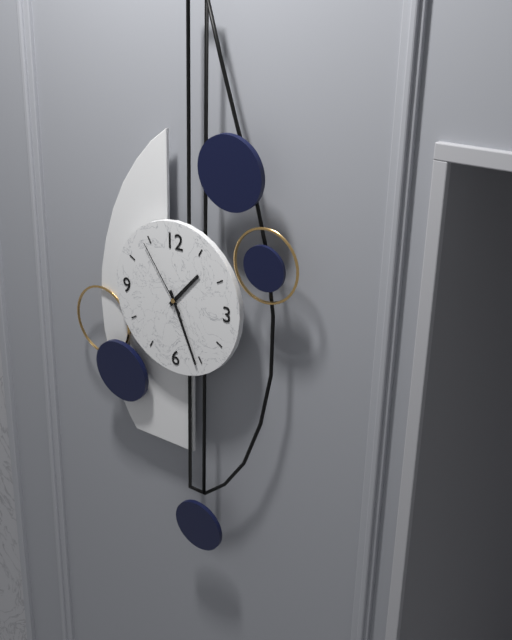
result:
1,26,54
